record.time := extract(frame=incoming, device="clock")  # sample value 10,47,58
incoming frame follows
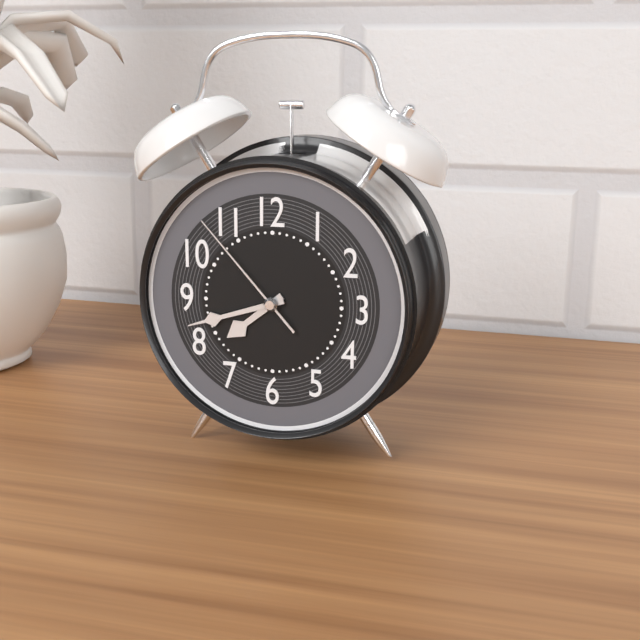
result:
7,42,53
